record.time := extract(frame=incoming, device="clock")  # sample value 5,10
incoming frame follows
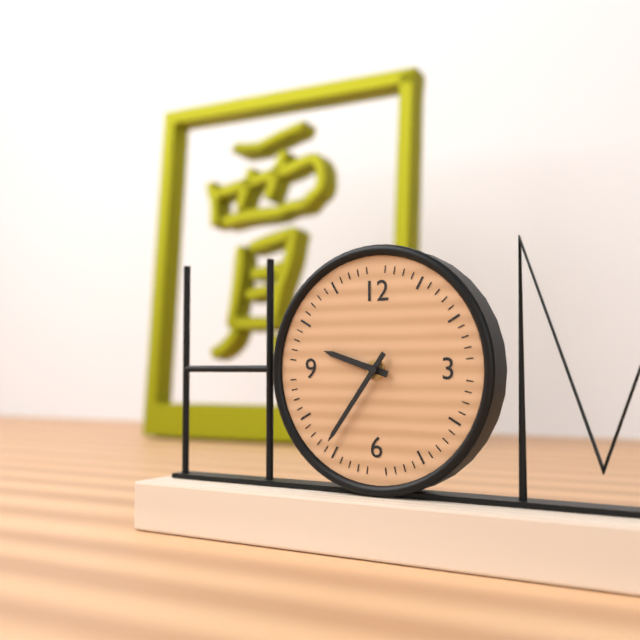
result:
9,36
